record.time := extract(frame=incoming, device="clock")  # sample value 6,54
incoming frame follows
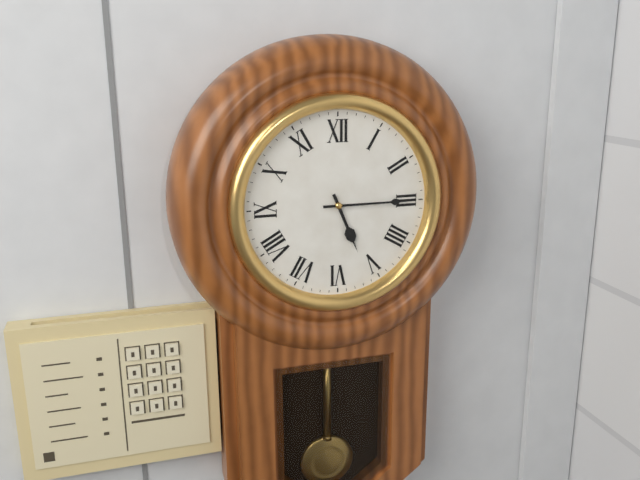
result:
5,15
